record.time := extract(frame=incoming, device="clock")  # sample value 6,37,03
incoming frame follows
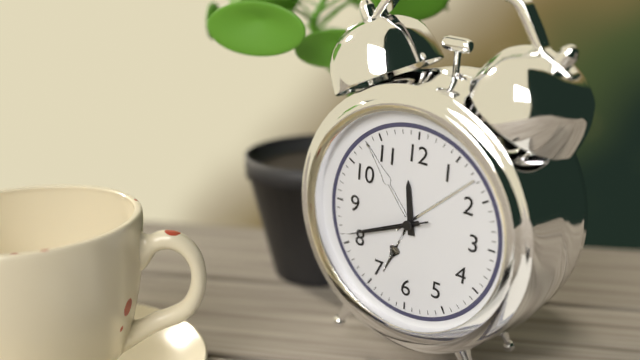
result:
11,41,41
